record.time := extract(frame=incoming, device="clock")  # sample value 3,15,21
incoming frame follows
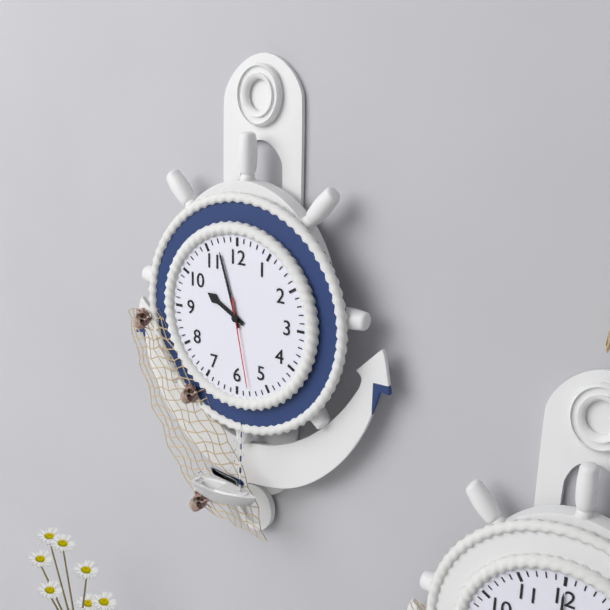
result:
9,57,28
